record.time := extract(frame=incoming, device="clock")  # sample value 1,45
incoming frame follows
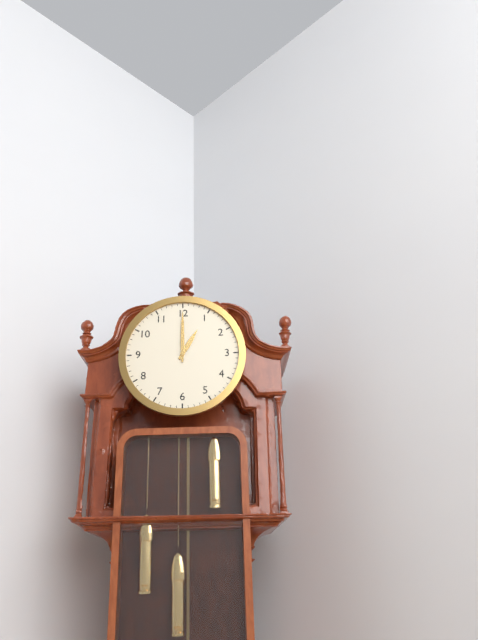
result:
1,00
